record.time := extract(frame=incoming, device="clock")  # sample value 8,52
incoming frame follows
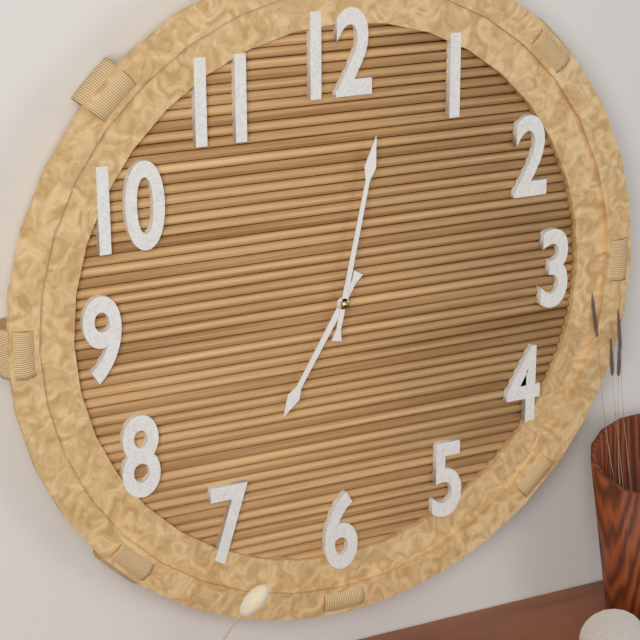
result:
7,02
